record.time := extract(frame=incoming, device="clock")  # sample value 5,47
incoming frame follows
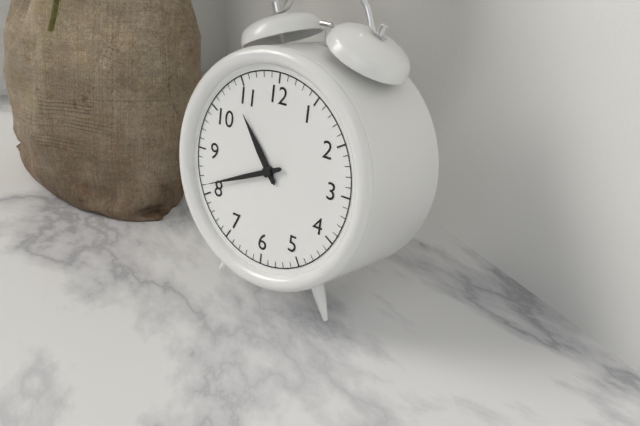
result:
10,41
